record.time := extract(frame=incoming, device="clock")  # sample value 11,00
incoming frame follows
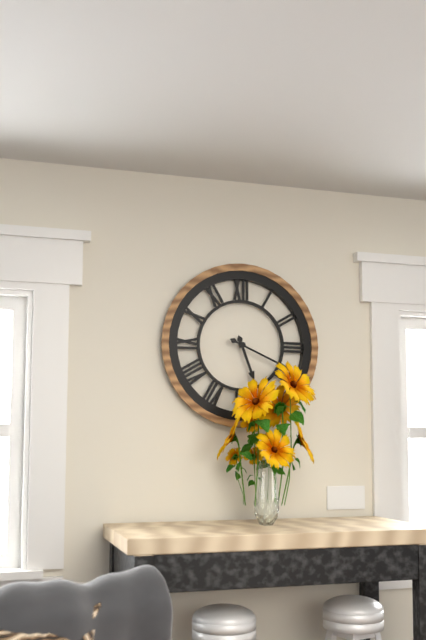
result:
5,19
